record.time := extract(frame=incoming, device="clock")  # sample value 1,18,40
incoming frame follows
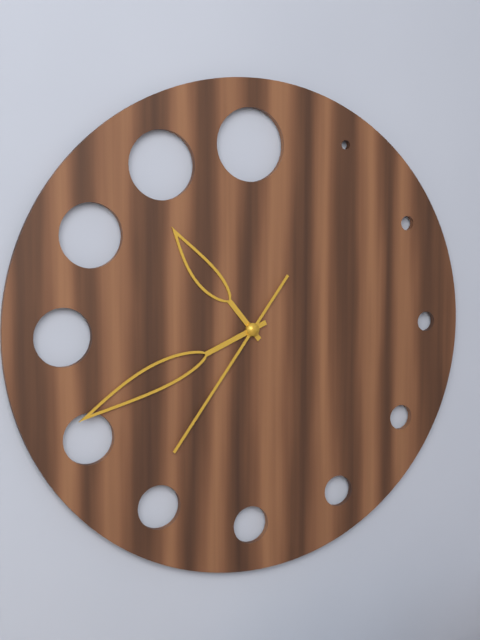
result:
10,41,36
